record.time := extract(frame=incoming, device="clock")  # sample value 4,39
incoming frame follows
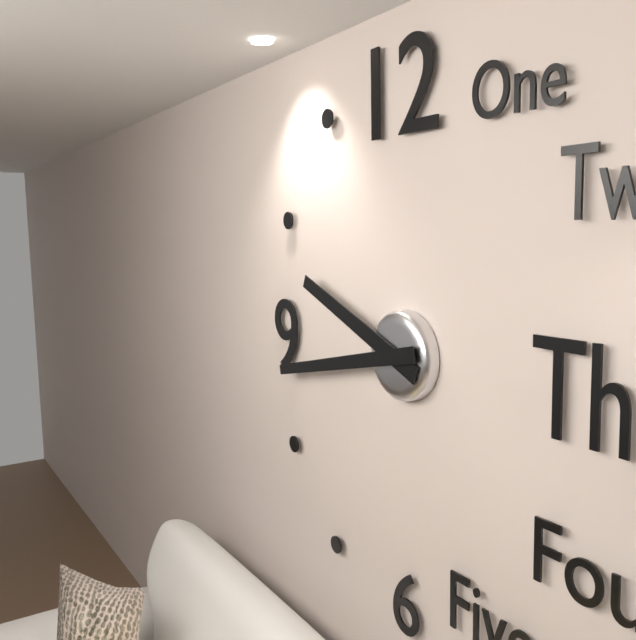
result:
9,43
